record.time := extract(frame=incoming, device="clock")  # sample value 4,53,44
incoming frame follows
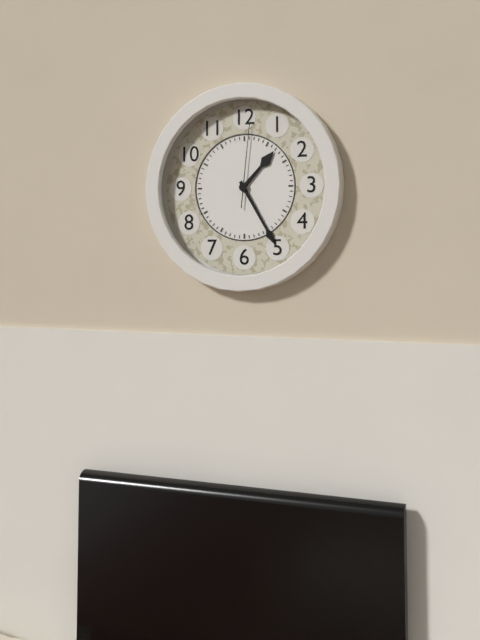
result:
1,25,01
